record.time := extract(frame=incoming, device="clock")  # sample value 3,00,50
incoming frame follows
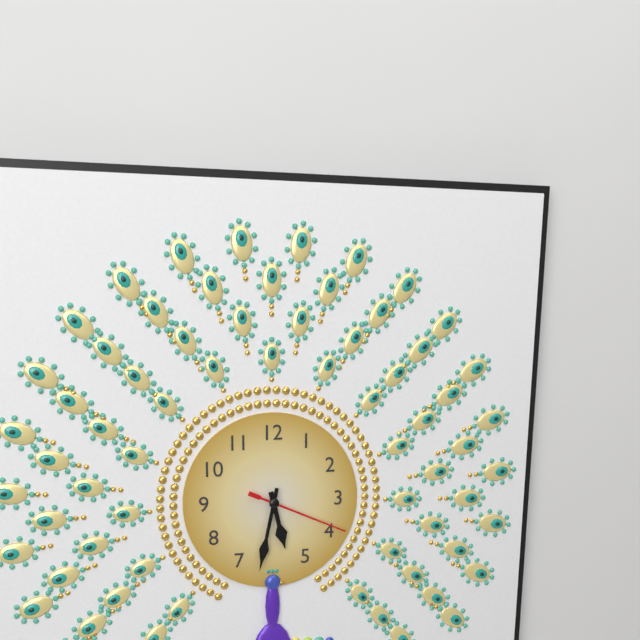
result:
5,32,19
